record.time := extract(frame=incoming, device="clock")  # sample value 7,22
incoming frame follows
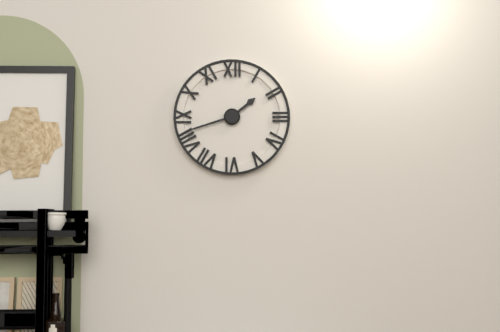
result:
1,42
